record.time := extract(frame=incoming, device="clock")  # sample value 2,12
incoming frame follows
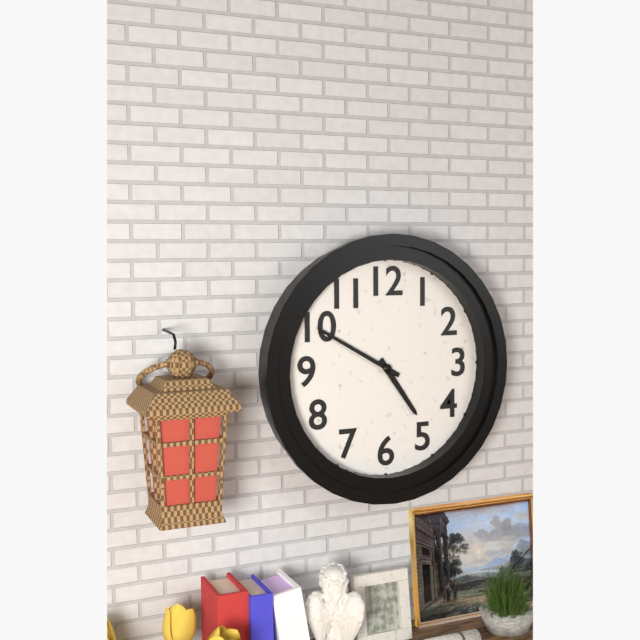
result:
4,50
